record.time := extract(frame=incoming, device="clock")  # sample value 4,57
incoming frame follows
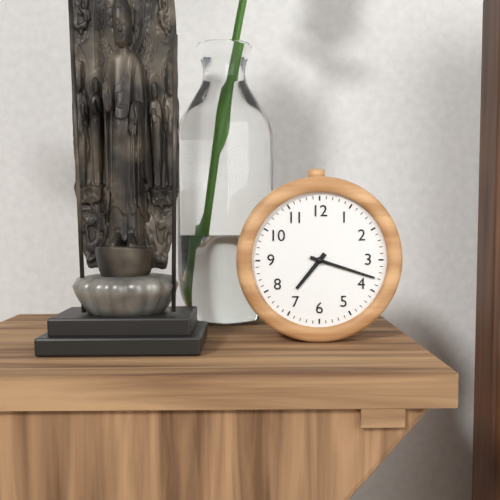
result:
7,18
